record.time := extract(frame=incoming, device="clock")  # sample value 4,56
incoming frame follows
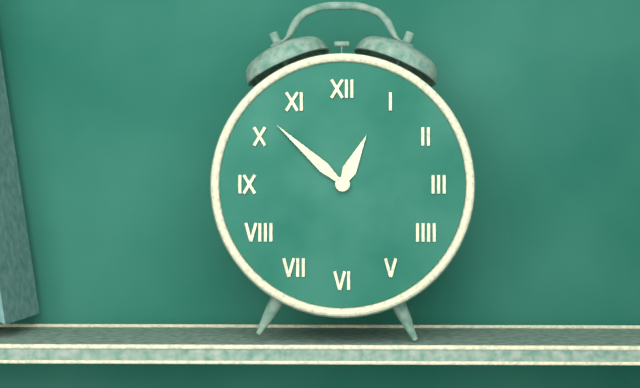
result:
12,52
